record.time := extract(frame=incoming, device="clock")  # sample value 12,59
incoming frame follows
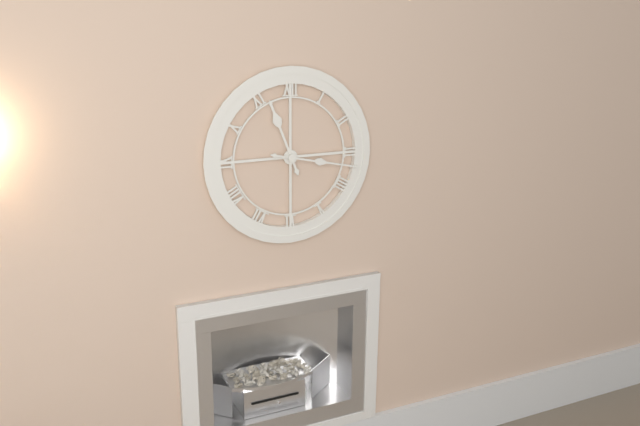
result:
11,17
